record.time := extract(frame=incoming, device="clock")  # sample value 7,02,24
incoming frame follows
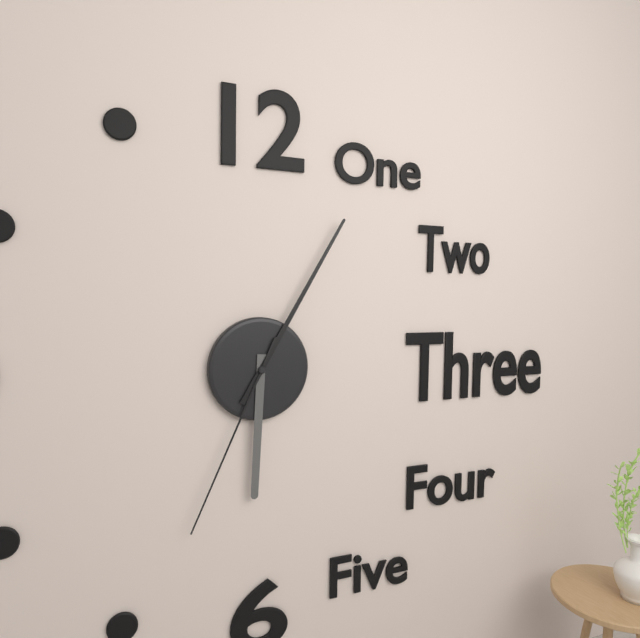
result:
6,05,34
